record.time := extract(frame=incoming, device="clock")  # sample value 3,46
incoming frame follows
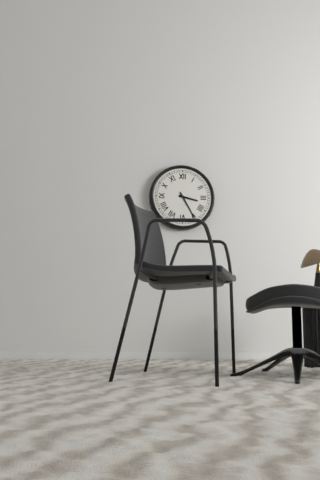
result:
3,25
